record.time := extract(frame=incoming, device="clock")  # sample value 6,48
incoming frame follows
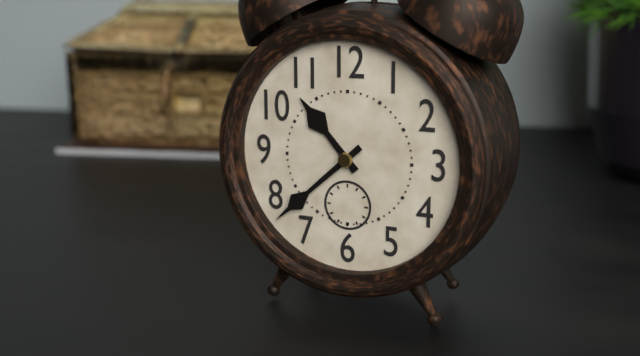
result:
10,38
